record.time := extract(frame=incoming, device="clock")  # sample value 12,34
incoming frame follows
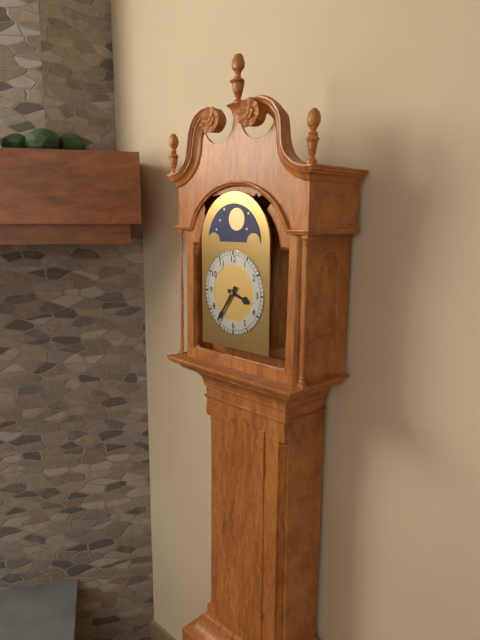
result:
3,36
